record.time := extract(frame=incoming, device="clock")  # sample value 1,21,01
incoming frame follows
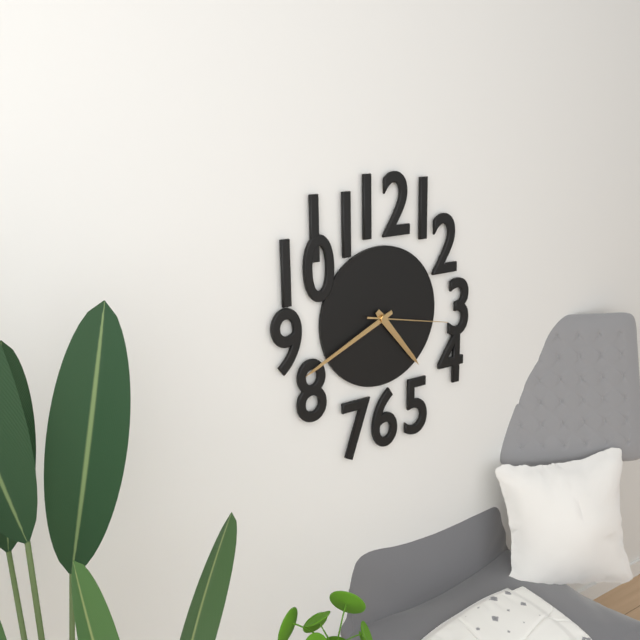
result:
4,41,17
